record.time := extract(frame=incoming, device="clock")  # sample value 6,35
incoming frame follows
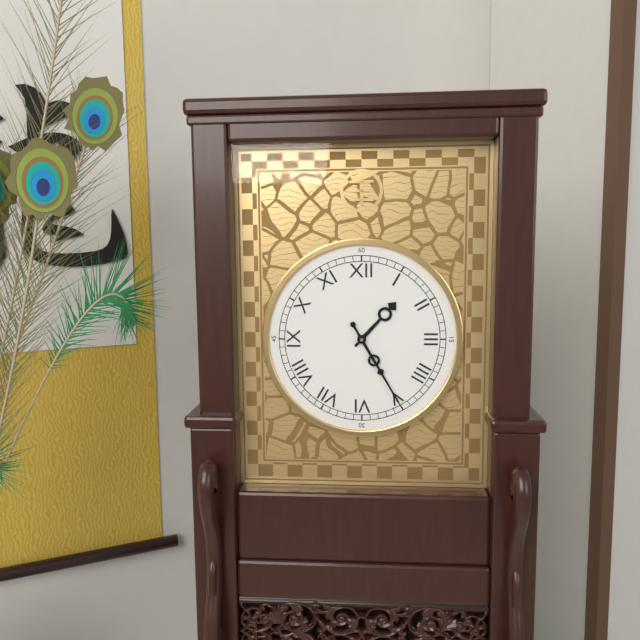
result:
1,25
